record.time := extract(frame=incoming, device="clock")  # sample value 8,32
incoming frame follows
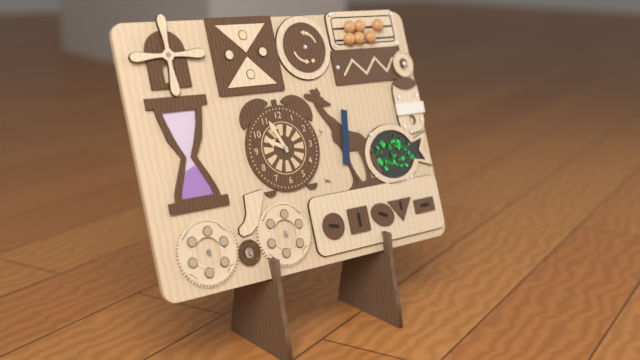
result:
9,56
